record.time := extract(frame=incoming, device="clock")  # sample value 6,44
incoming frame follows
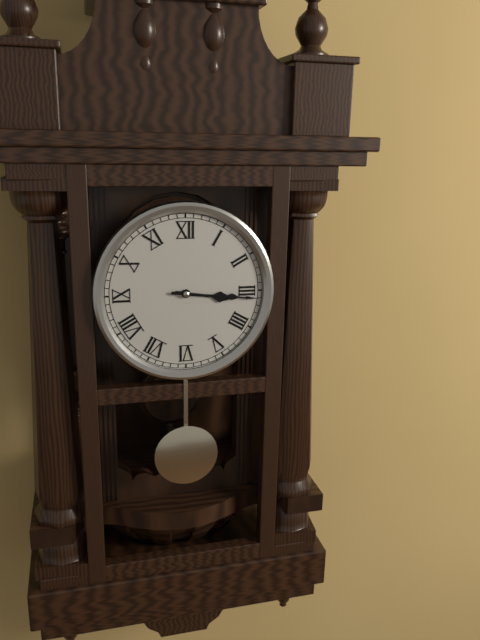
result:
3,16
